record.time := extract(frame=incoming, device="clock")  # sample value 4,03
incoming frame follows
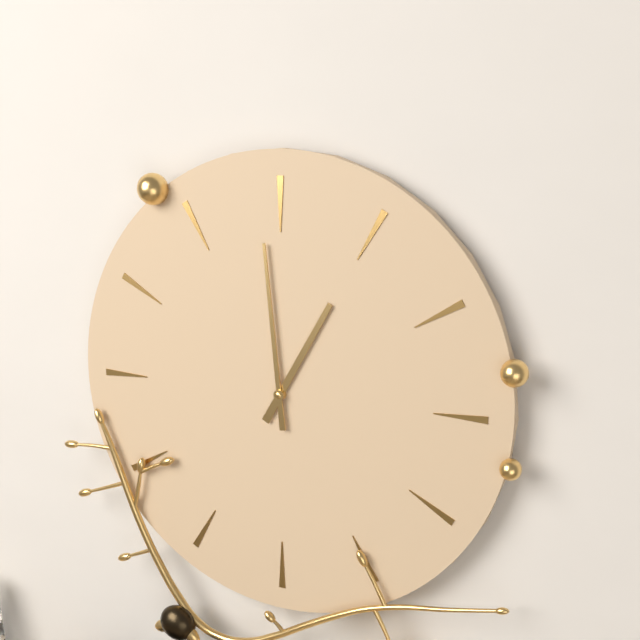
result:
12,59
